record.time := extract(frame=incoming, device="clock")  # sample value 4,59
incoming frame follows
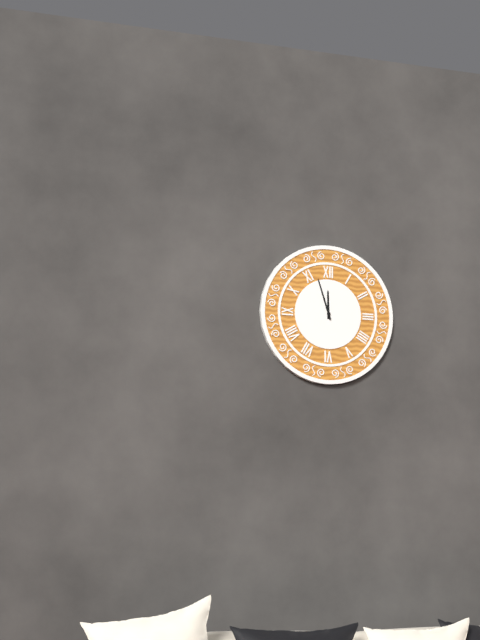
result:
11,57
